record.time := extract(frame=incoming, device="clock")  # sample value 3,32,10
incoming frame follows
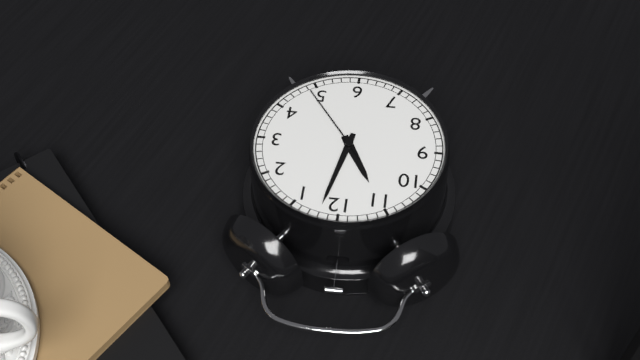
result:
11,02,24
